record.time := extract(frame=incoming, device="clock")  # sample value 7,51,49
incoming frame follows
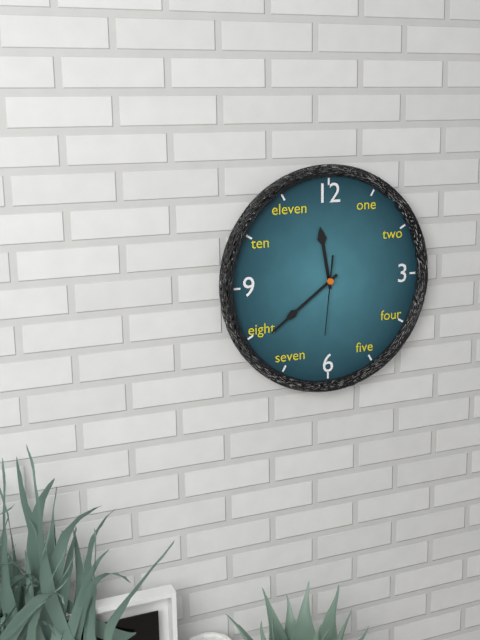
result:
11,39,31
